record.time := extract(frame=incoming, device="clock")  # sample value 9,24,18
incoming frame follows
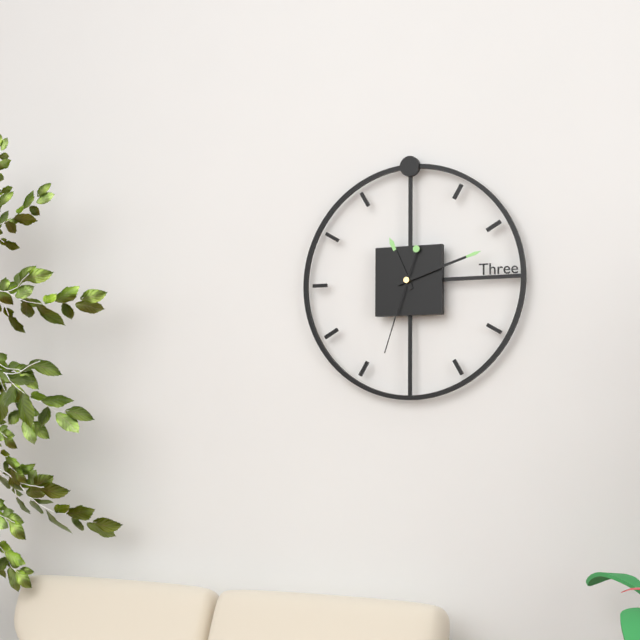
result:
11,12,33
